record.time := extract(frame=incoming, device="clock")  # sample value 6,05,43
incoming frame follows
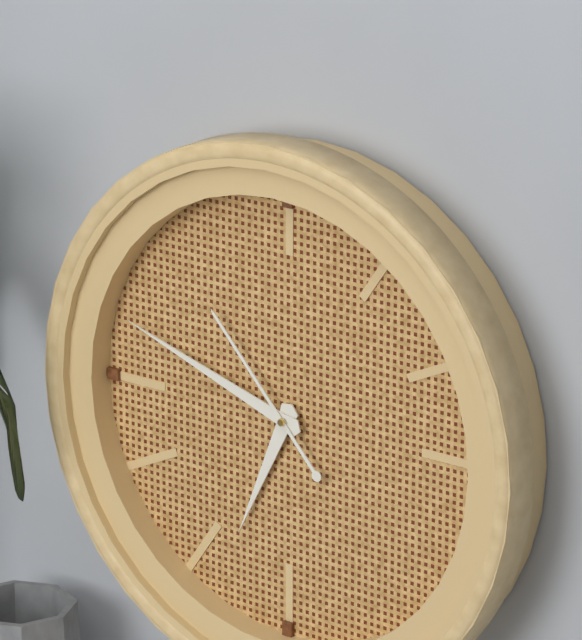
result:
6,48,53
